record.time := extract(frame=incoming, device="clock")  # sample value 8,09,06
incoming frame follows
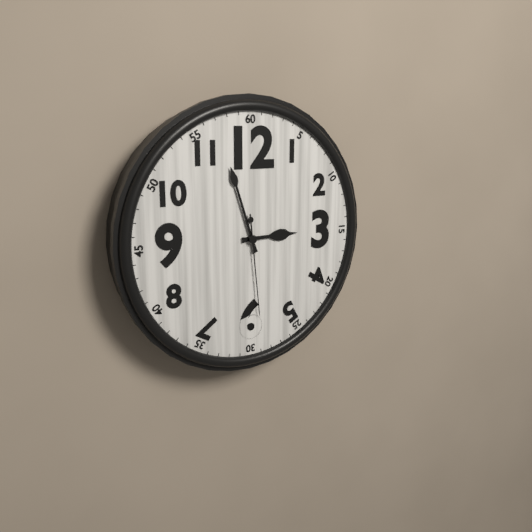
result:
2,57,29
